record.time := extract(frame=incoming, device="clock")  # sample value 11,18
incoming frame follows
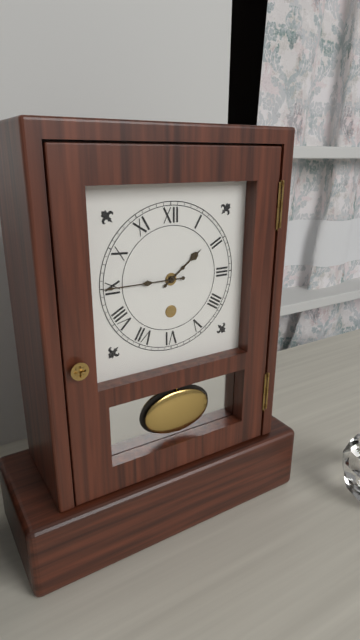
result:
1,45
